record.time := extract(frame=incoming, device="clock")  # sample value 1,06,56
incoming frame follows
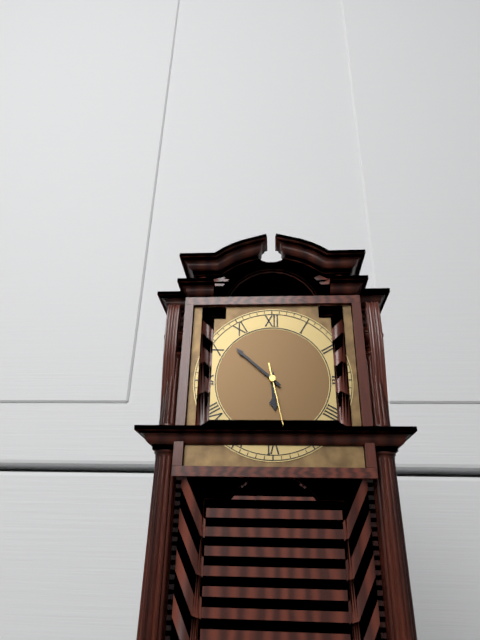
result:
5,52,28
